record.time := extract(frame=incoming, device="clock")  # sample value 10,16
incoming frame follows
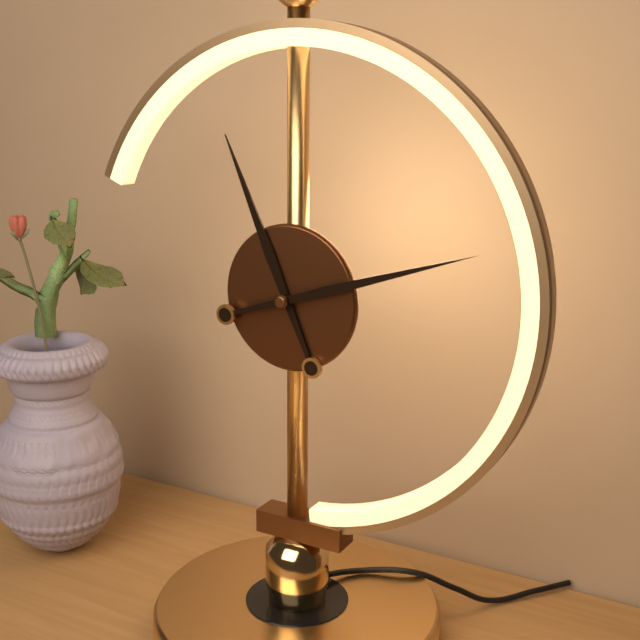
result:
11,12
